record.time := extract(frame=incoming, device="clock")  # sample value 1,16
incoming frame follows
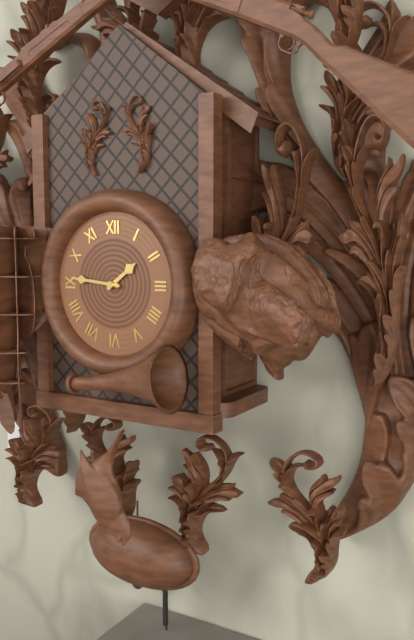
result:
1,46
